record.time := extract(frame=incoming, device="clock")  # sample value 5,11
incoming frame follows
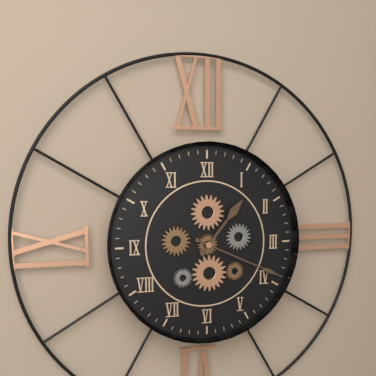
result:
1,19
